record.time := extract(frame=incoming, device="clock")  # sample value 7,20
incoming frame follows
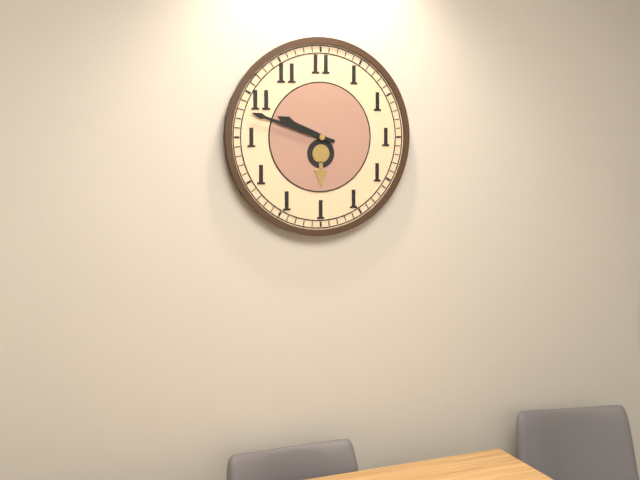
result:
9,48
